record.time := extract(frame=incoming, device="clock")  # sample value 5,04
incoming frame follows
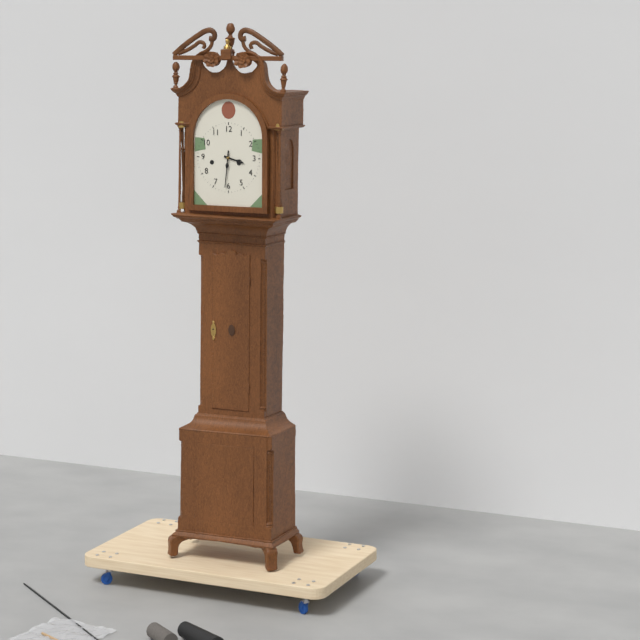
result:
3,31
